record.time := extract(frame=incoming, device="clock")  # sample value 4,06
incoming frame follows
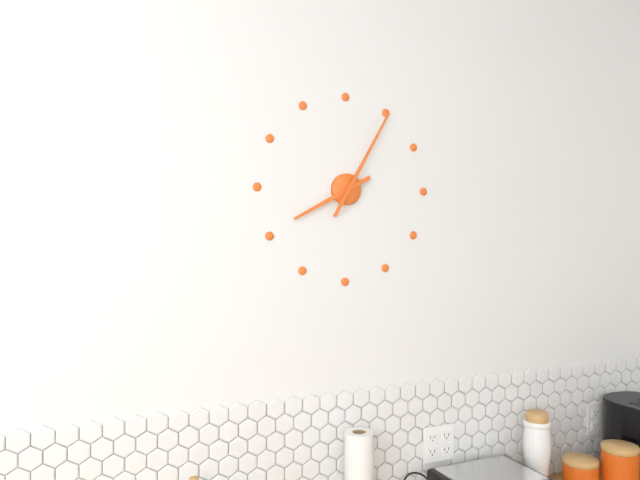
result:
8,05
